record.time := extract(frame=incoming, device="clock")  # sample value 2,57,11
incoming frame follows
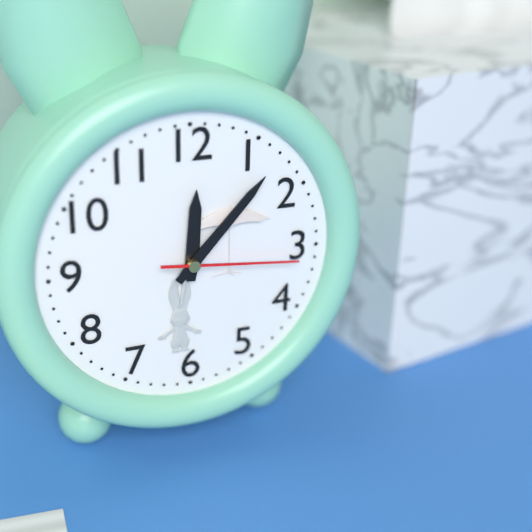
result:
12,07,16
